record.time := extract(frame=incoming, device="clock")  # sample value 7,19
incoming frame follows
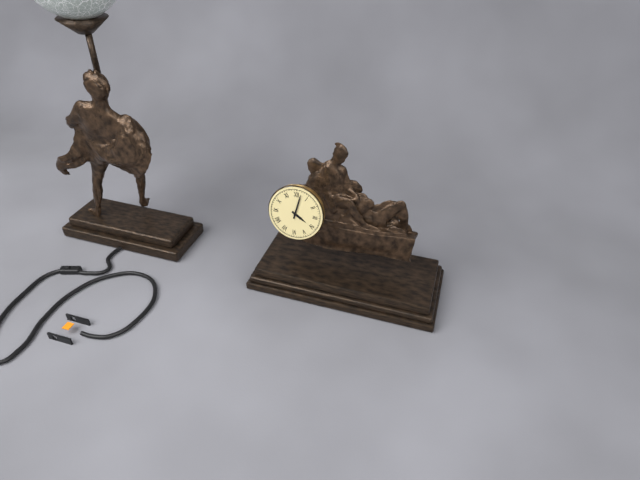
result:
4,02
